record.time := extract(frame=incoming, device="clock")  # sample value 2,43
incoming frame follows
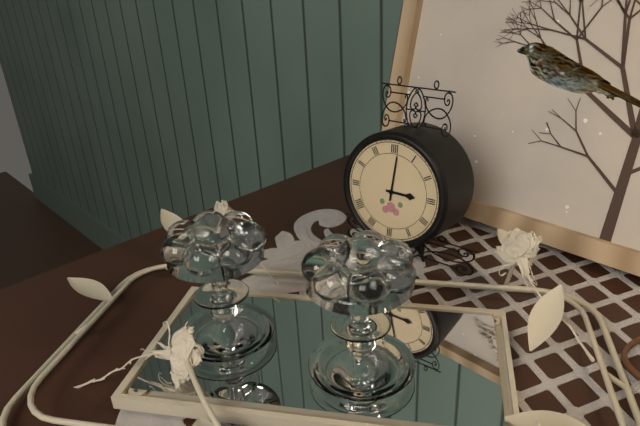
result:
3,01
